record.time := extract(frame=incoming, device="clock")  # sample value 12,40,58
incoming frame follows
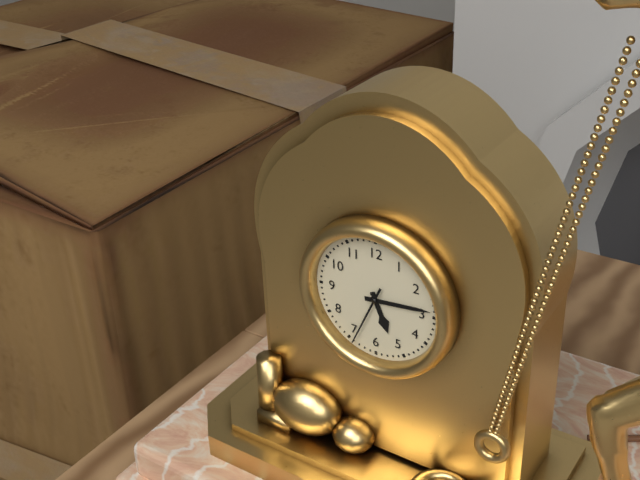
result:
5,14,34
